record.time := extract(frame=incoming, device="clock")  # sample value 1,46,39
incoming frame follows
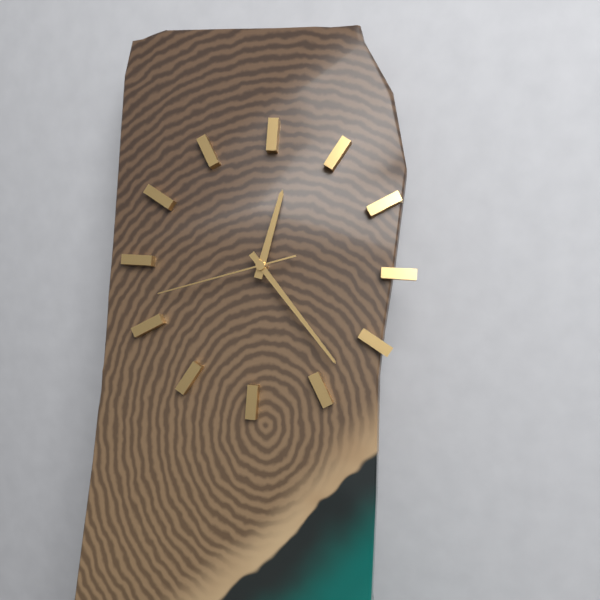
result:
12,23,42
